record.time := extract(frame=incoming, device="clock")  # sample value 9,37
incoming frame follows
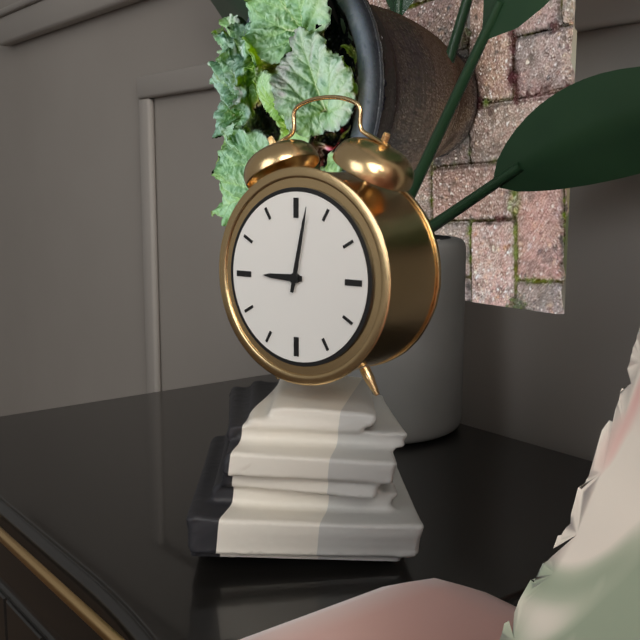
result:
9,02
